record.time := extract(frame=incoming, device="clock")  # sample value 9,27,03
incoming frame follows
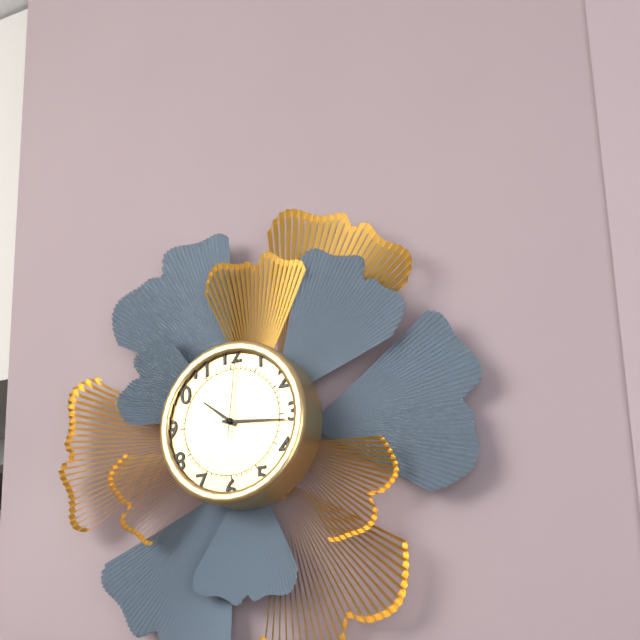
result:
10,16,01
